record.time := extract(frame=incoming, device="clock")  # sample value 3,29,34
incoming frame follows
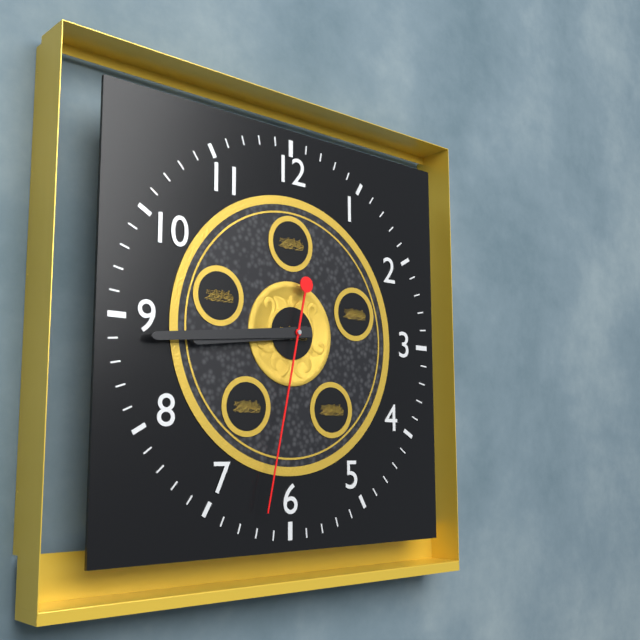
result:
8,44,32
